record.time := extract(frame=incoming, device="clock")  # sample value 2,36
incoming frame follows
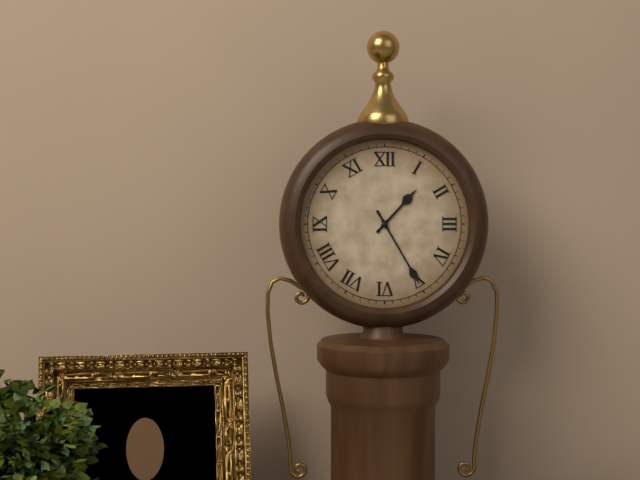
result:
1,25
